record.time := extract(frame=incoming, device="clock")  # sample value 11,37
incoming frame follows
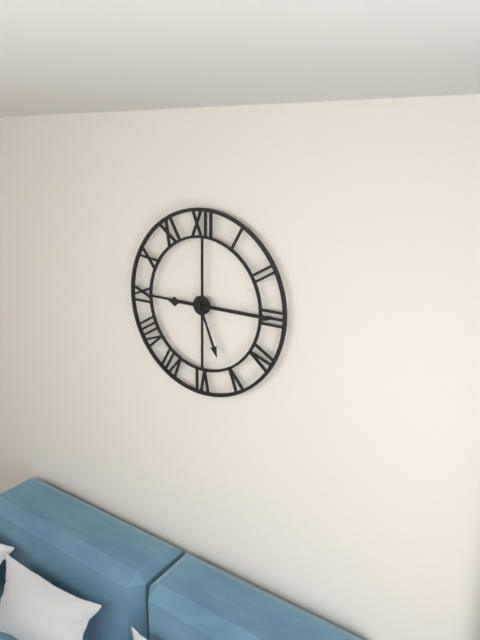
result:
5,15
